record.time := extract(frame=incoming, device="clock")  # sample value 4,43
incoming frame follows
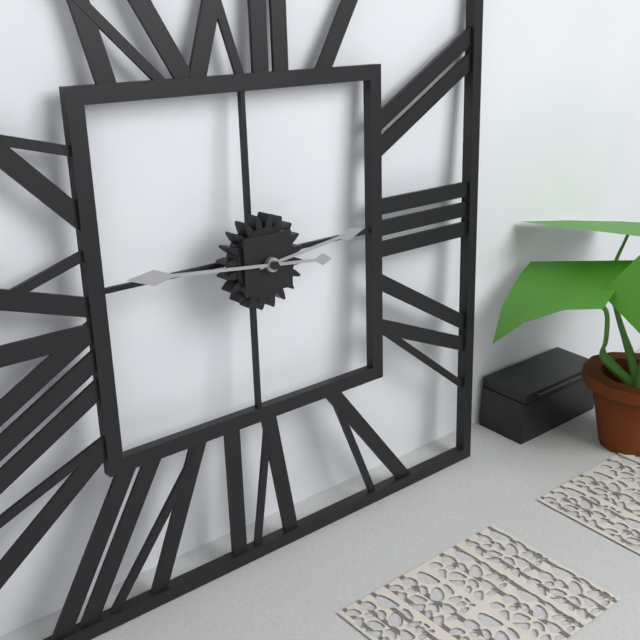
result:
2,46
